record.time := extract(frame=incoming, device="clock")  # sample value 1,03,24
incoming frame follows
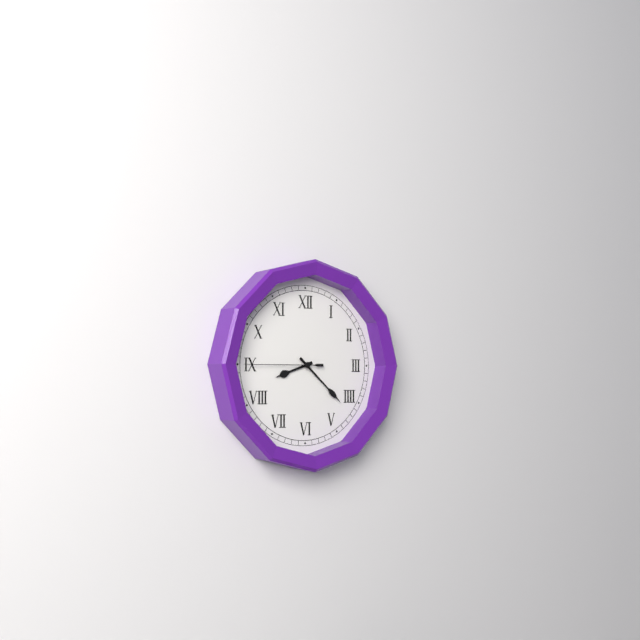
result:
8,22,45
